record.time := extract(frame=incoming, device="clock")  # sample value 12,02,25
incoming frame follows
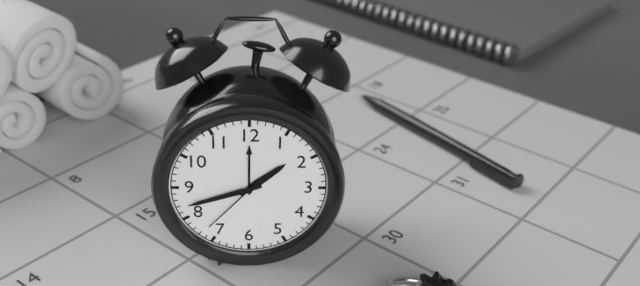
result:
1,42,37
